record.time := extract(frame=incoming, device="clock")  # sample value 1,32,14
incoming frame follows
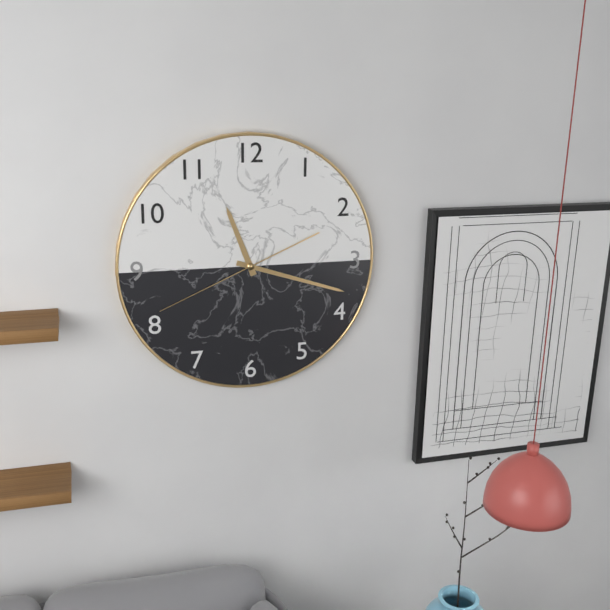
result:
11,18,41
